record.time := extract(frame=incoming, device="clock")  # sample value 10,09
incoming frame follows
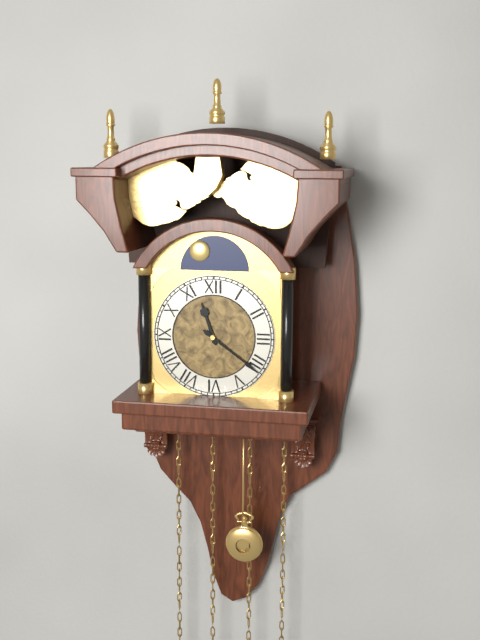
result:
11,21
